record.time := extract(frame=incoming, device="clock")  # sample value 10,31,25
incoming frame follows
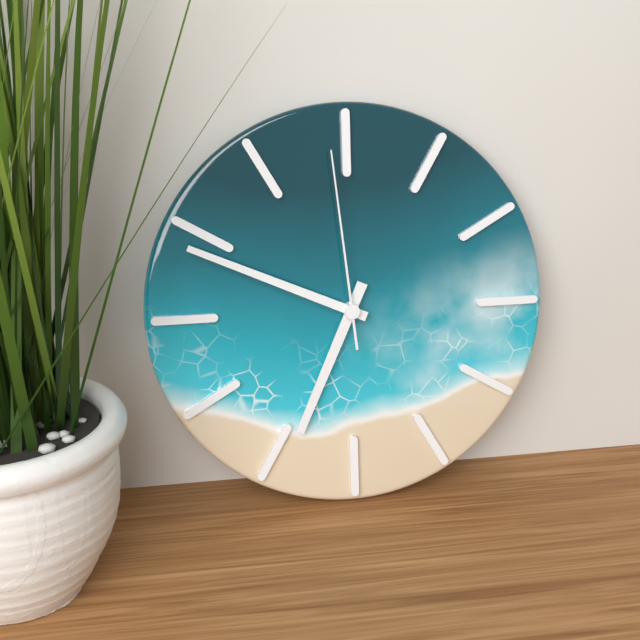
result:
6,49,59
